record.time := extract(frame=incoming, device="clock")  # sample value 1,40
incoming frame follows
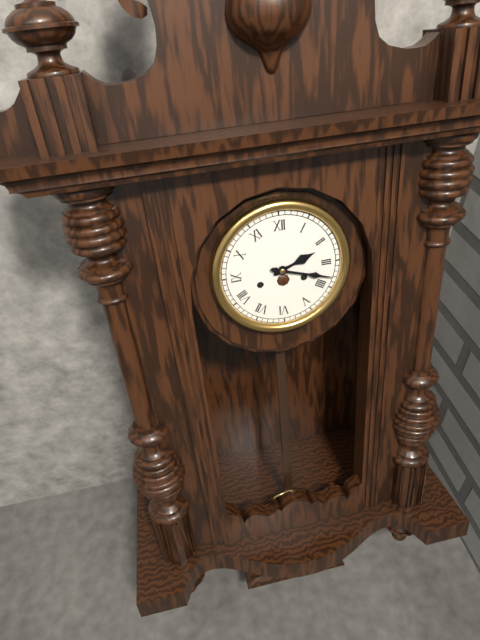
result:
2,18
